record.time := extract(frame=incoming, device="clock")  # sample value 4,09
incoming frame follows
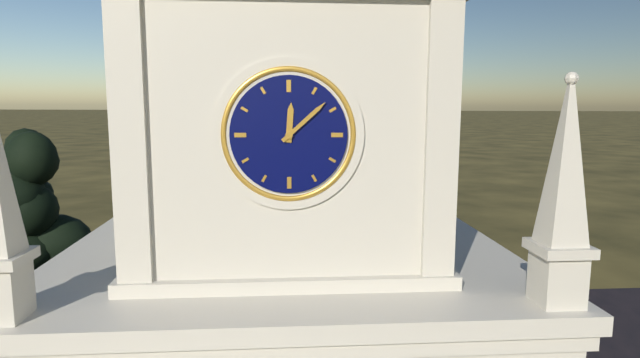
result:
12,08
